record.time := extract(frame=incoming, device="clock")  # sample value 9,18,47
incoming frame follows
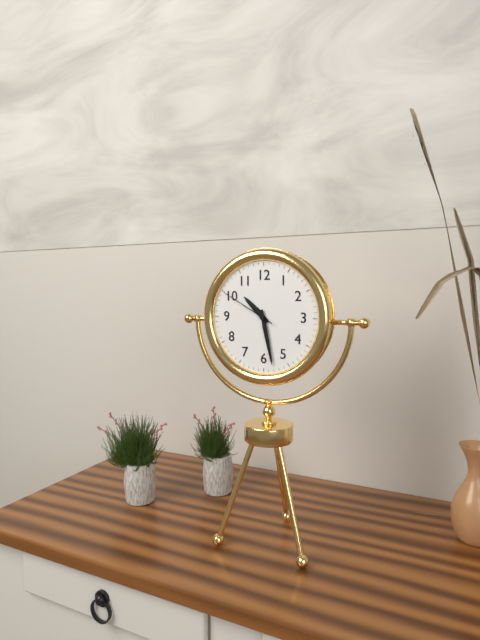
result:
10,28,50
